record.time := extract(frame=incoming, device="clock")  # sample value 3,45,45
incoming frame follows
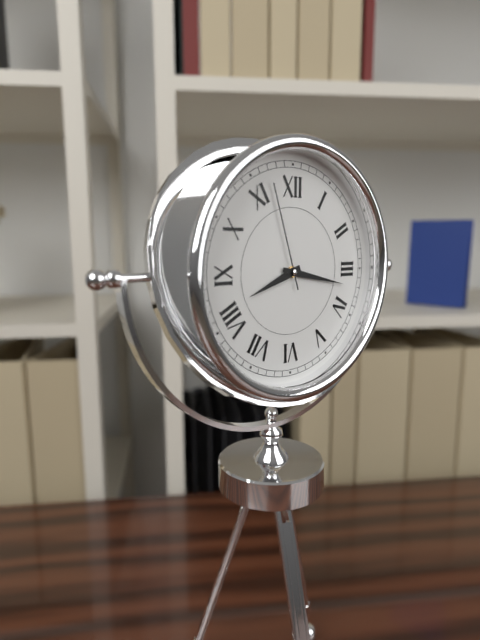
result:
8,17,57
